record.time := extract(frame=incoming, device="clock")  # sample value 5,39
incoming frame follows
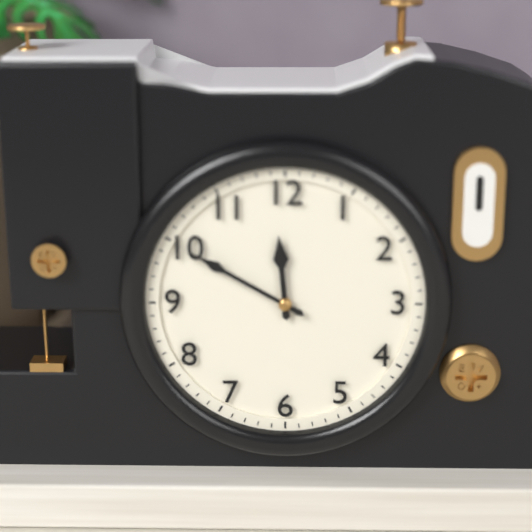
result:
11,50
